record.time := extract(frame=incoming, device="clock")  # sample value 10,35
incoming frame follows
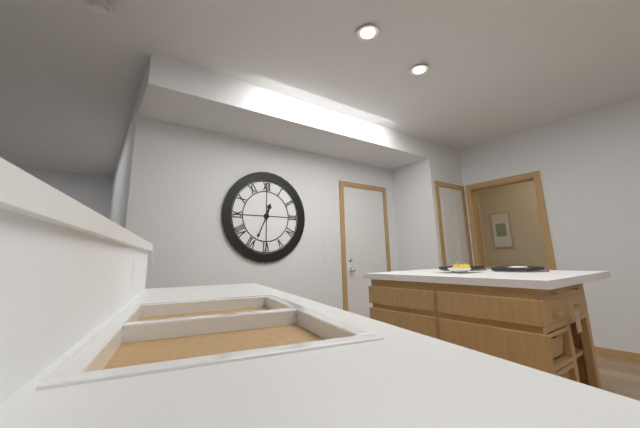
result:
12,34
